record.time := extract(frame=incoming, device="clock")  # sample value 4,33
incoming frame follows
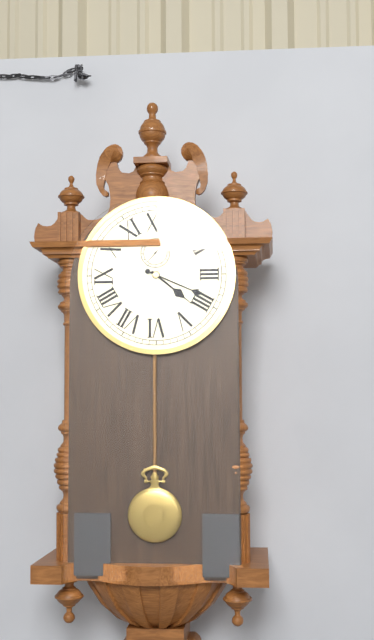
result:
4,19
